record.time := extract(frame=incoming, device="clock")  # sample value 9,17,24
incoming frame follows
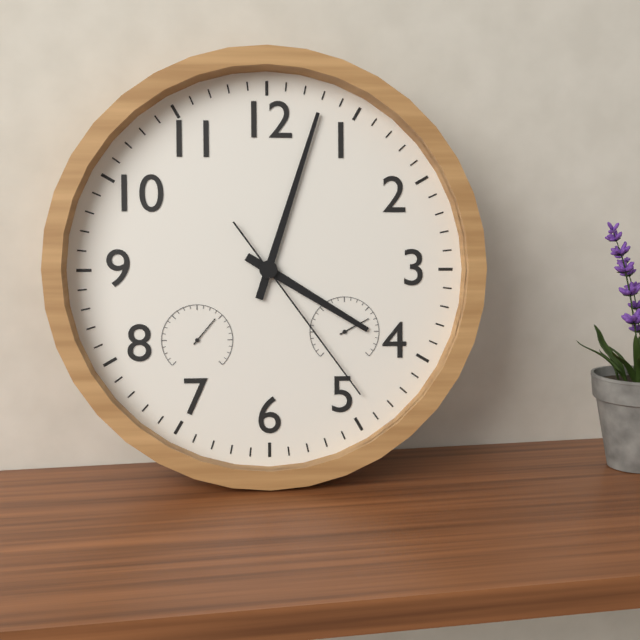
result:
4,03,24
